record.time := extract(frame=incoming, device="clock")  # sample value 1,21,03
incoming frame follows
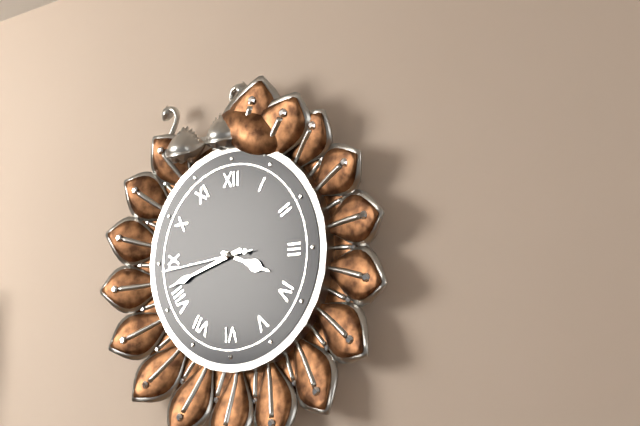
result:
3,42,44
